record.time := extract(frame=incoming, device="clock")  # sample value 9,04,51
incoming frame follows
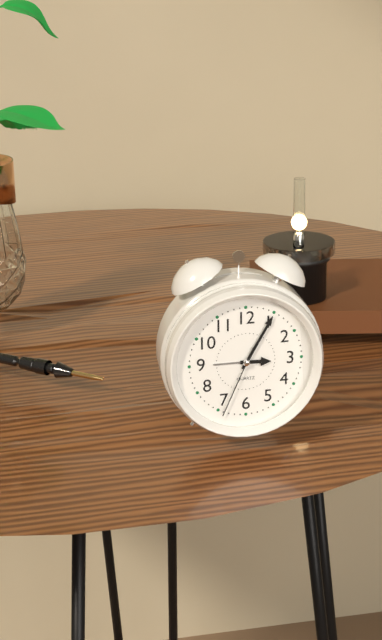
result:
3,05,34
